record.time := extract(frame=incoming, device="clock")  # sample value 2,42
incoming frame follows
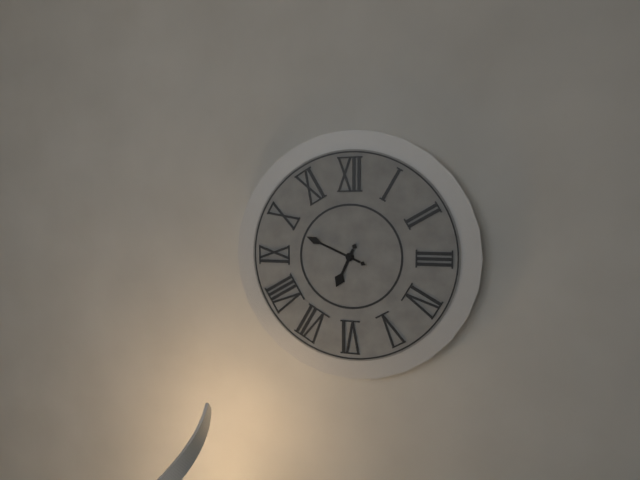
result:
6,49
